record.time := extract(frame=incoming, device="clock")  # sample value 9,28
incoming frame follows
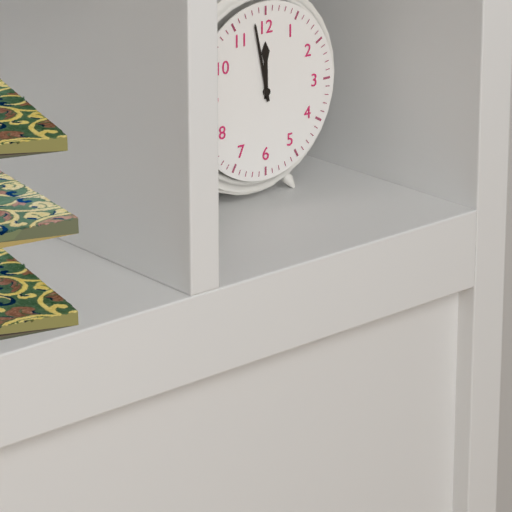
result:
11,58
